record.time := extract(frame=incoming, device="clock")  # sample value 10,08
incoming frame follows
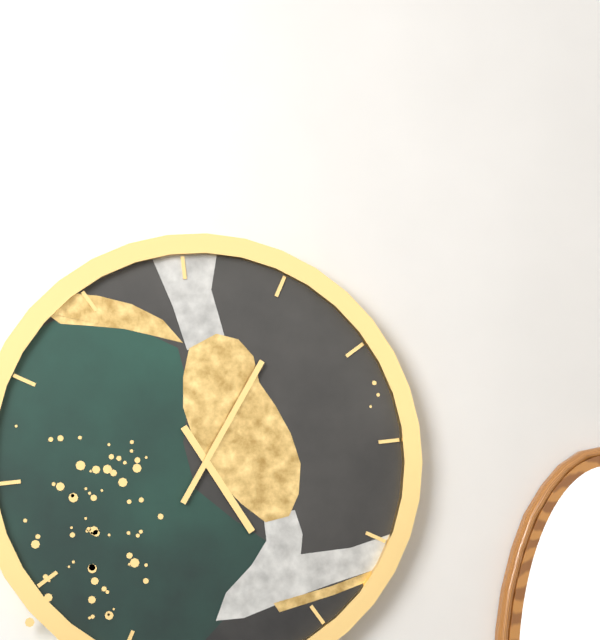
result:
5,06
